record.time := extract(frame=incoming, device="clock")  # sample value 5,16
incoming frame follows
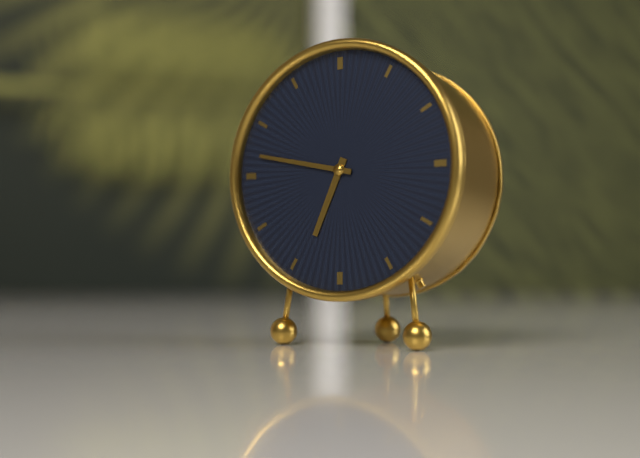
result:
6,47
